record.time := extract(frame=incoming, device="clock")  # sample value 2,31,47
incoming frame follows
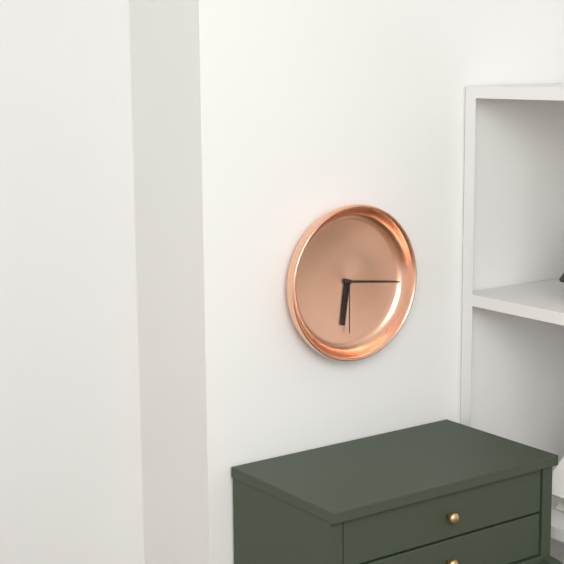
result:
6,16,30
